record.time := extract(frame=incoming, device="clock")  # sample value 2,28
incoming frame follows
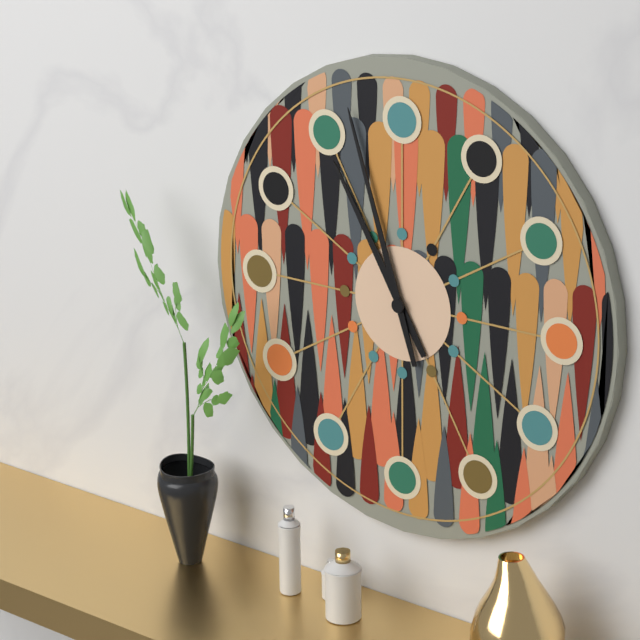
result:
10,57
